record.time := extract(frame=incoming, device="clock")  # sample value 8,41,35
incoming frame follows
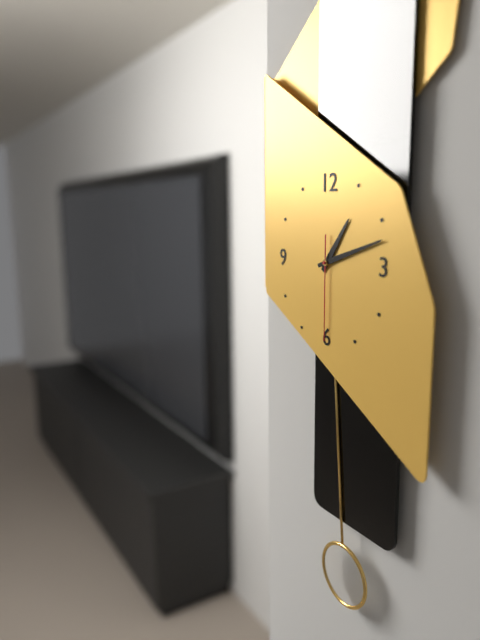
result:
1,12,30
